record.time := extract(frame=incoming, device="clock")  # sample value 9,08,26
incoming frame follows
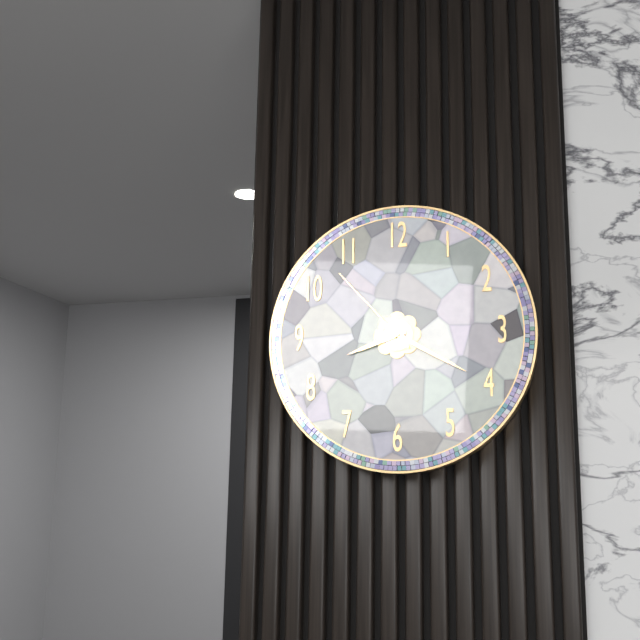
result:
8,20,53
